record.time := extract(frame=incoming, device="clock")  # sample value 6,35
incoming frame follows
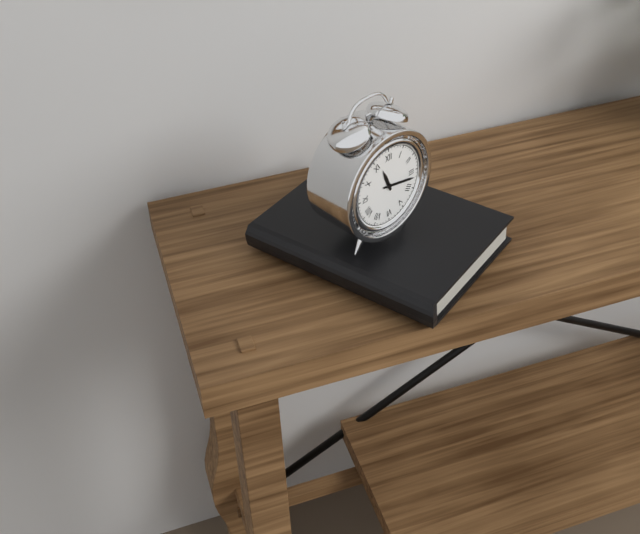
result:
11,17
